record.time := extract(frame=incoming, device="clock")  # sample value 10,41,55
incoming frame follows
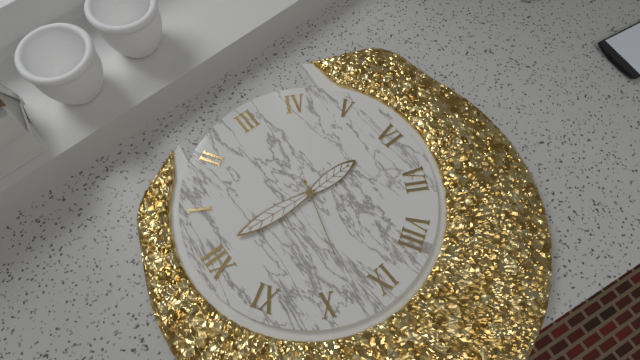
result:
6,01,48
